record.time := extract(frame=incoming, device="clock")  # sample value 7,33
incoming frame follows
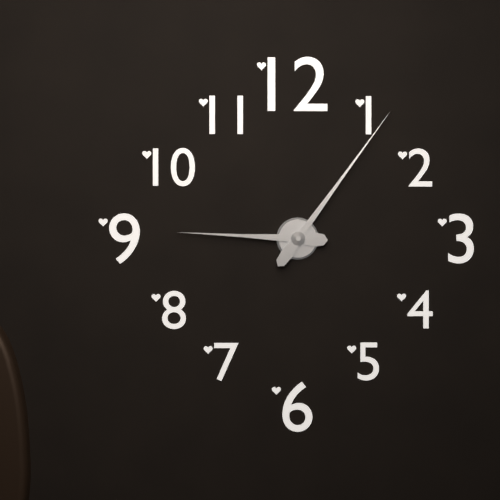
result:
9,06
